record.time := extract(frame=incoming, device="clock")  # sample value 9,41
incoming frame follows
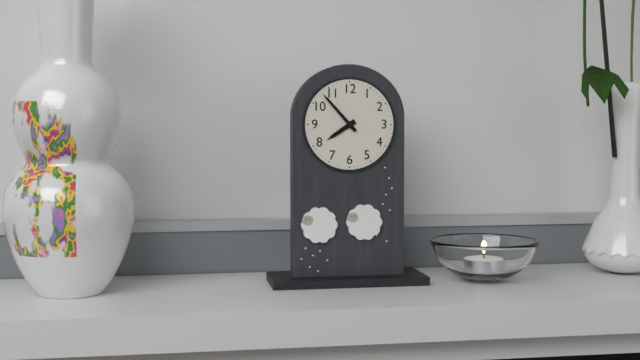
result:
7,53
